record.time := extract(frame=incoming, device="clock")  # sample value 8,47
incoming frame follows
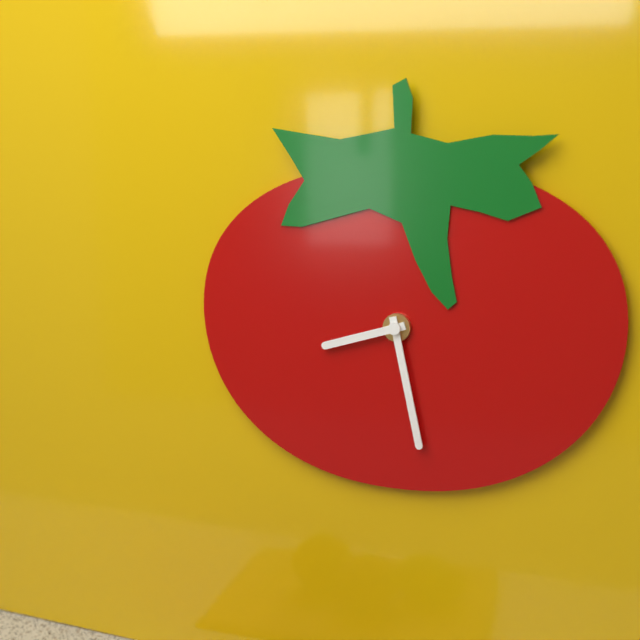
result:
8,28
